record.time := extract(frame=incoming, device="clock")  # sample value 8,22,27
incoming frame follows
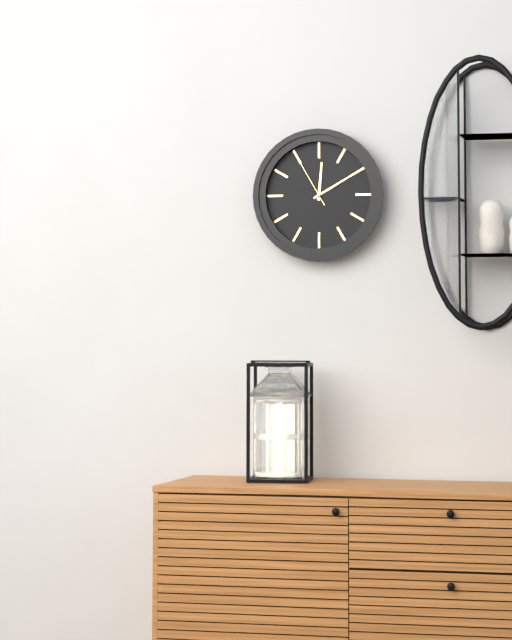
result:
12,10,55
